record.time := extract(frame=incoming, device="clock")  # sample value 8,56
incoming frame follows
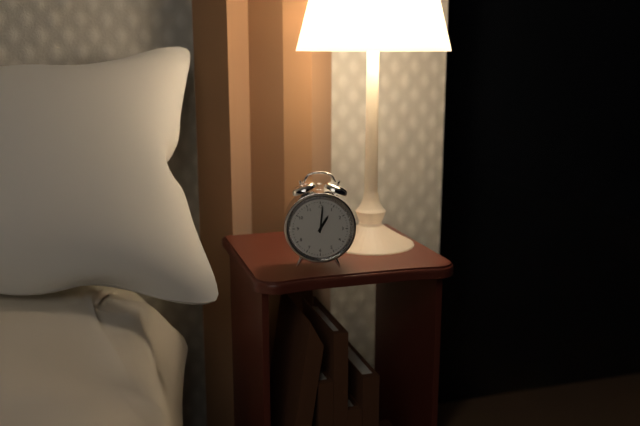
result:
1,01
